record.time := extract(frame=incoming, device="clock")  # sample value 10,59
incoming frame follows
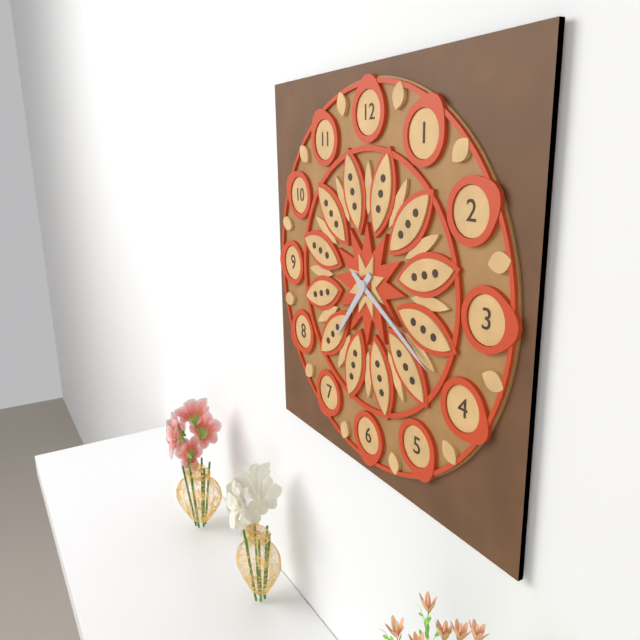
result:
7,20
